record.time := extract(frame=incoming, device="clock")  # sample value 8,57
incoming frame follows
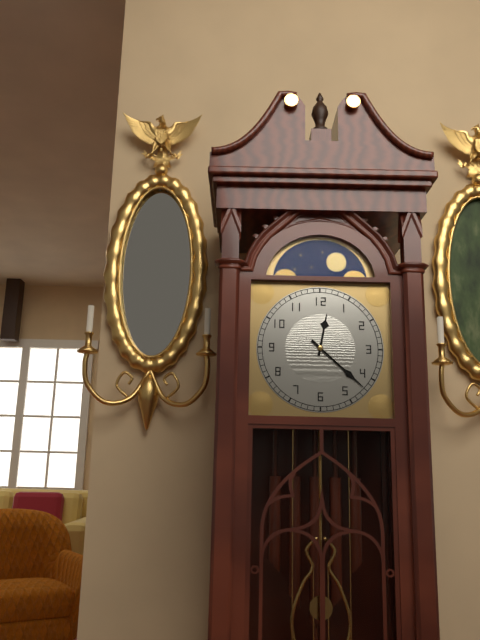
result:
12,22
